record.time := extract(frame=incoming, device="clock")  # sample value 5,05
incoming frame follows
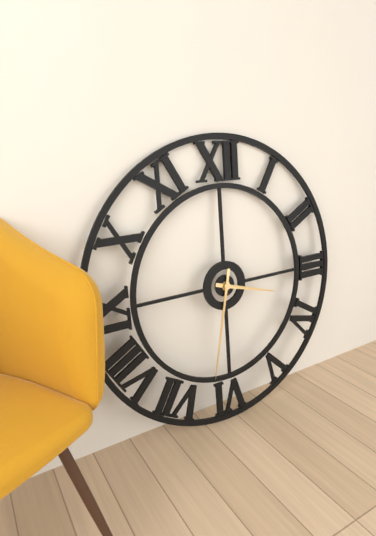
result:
3,32
